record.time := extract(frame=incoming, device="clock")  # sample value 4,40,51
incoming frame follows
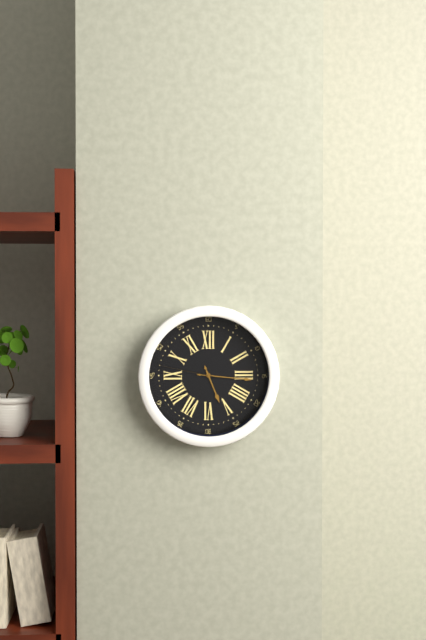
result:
5,16,47
